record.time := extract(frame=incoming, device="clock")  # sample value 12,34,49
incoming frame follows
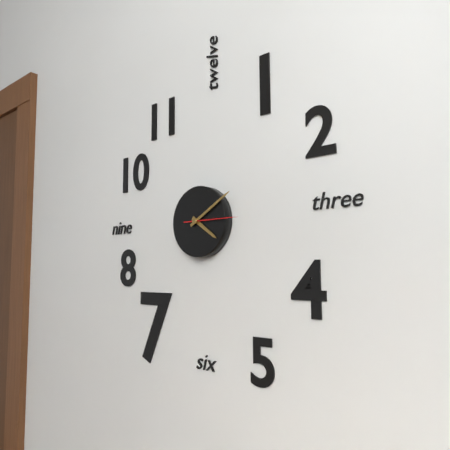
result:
4,10,15
